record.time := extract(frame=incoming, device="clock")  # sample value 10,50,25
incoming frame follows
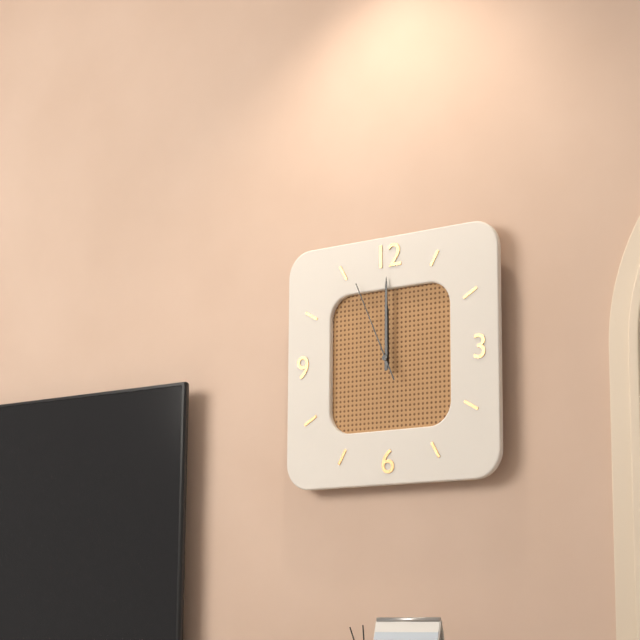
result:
12,00,56
